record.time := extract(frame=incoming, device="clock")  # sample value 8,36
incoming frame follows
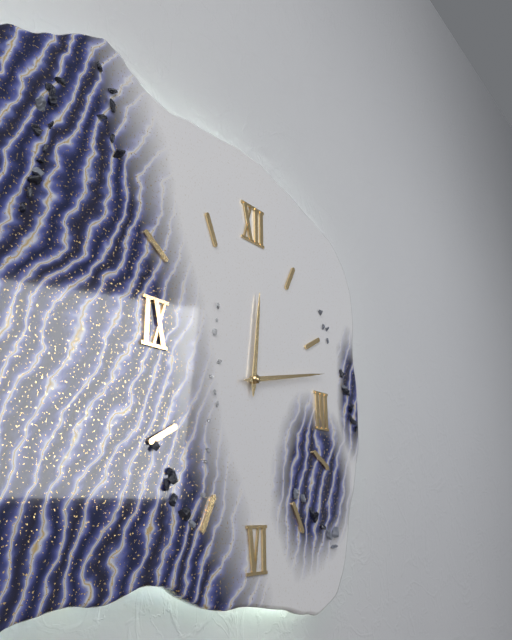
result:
12,13
